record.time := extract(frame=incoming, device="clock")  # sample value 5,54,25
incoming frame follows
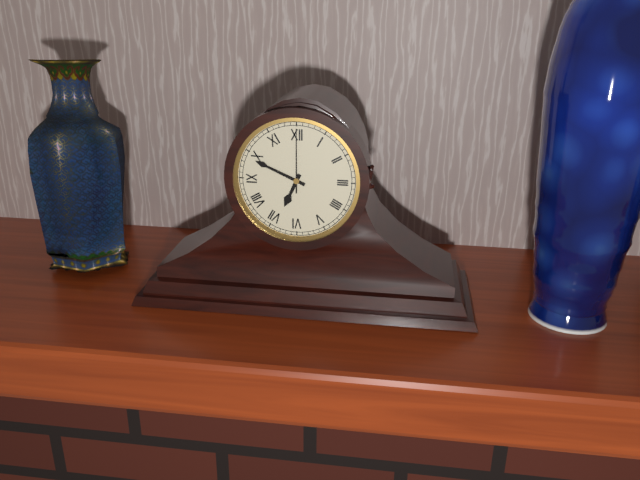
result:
6,49,00
